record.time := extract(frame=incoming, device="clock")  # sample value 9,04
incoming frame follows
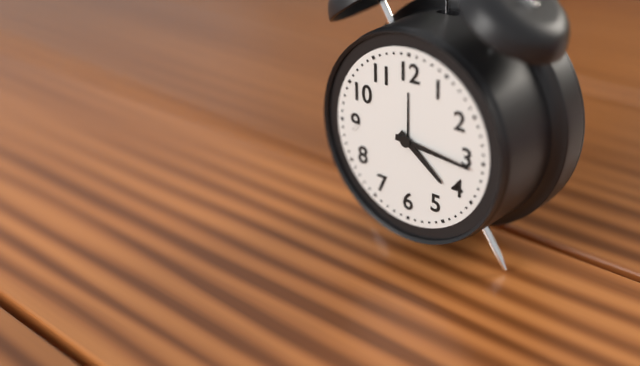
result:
4,16
